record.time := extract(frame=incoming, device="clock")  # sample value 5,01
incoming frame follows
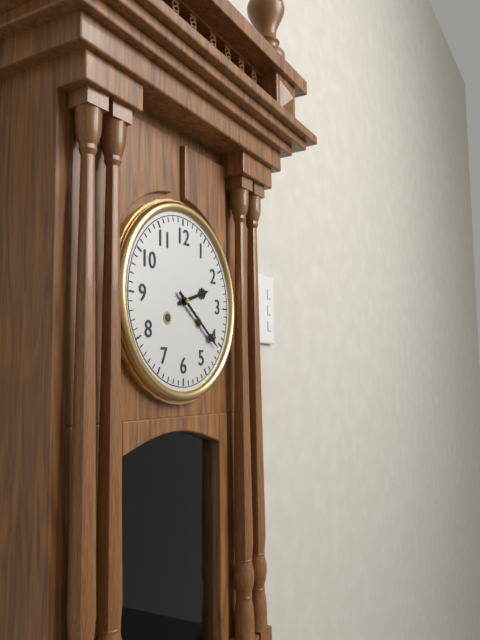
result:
2,21
